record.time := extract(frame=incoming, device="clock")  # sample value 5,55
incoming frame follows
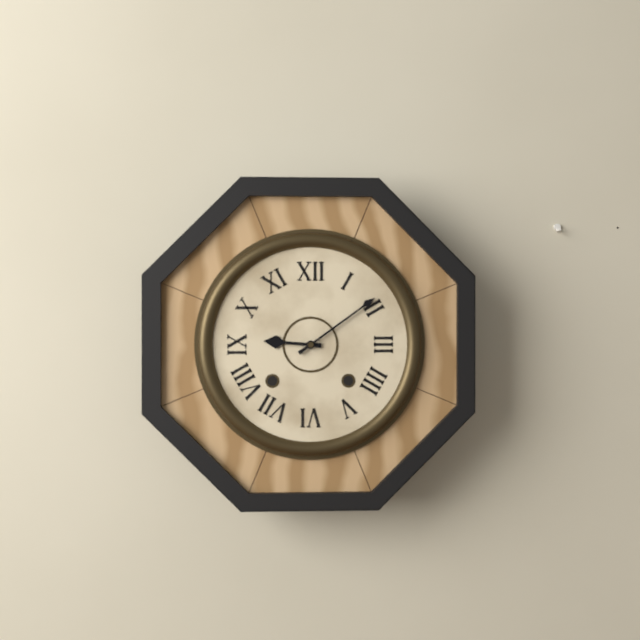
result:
9,09
